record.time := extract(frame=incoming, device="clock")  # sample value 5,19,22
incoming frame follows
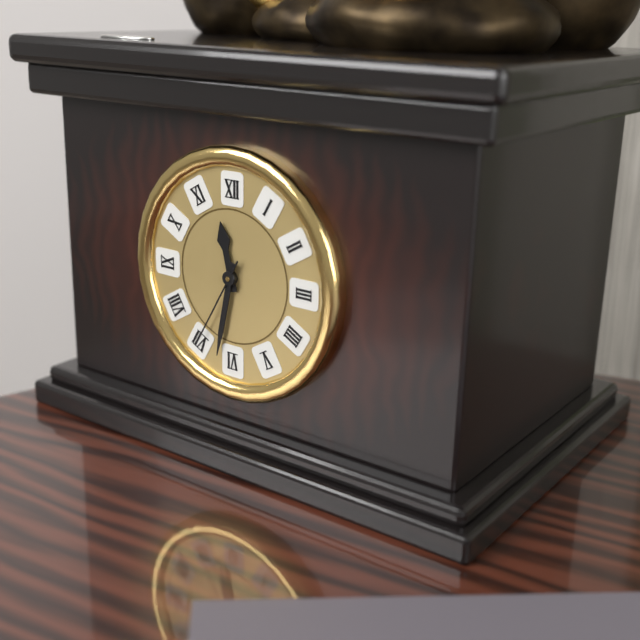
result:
11,32,35
